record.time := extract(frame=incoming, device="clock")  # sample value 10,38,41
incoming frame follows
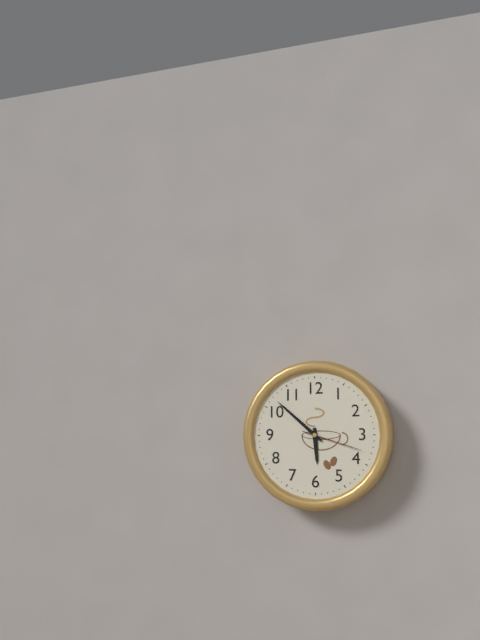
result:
5,52,18
